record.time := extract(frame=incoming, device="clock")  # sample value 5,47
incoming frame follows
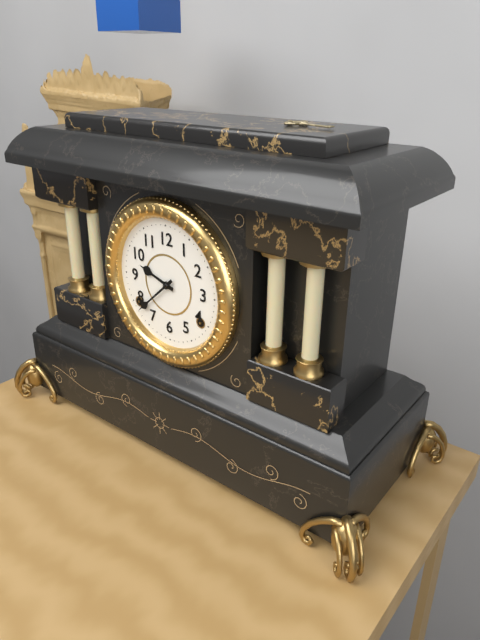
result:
9,38
